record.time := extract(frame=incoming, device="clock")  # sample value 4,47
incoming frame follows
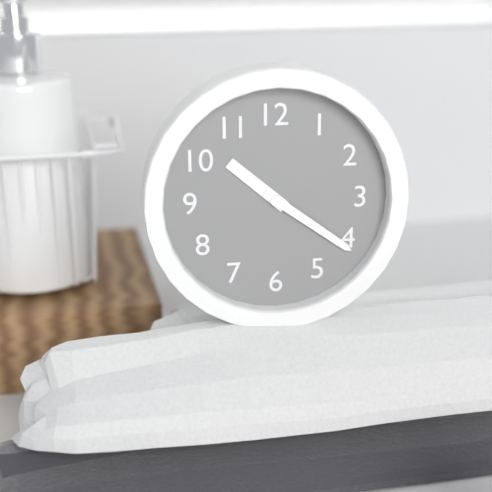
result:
10,21
